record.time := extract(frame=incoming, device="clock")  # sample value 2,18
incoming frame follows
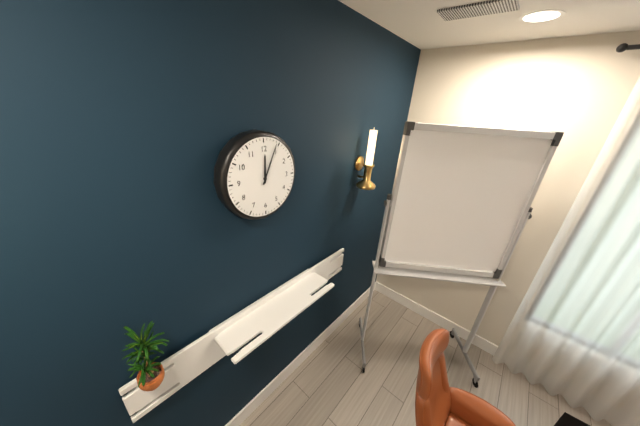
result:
12,04
